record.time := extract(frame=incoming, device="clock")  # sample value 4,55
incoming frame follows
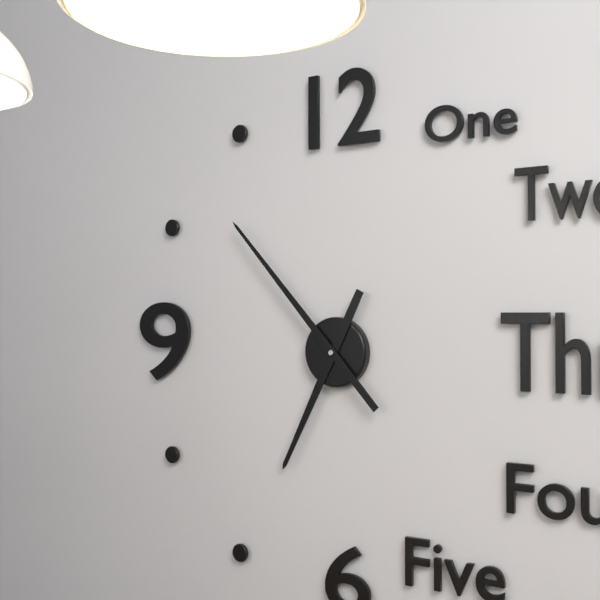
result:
6,53
